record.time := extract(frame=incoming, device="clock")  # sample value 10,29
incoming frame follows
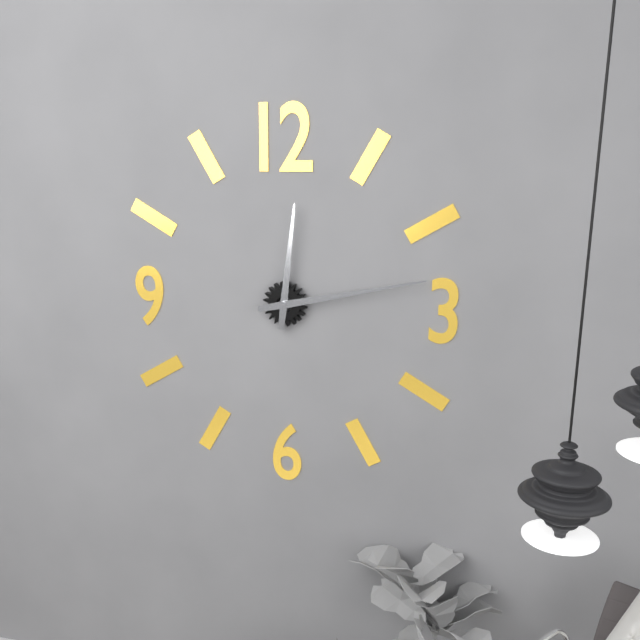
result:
12,13
